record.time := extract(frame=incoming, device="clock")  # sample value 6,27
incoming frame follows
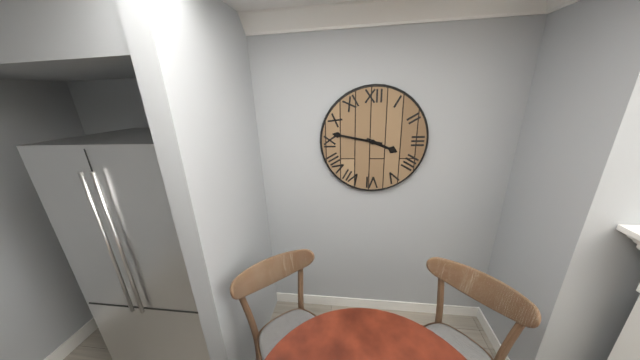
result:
3,47
